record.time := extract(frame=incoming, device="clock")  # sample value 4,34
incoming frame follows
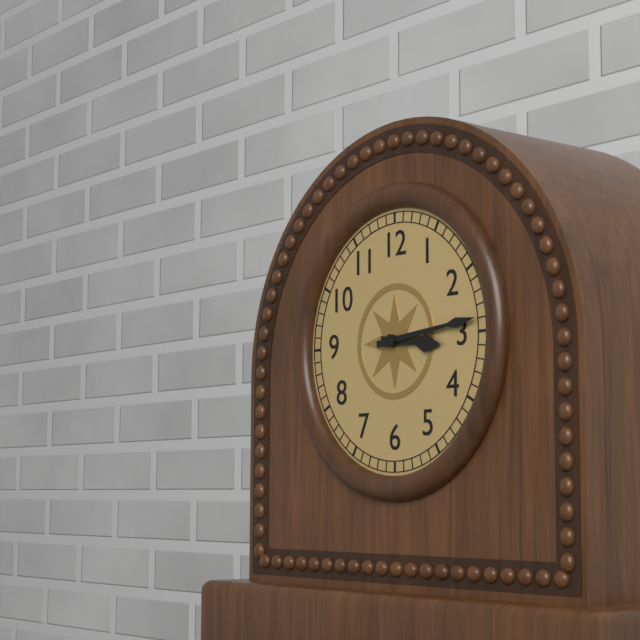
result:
3,14
